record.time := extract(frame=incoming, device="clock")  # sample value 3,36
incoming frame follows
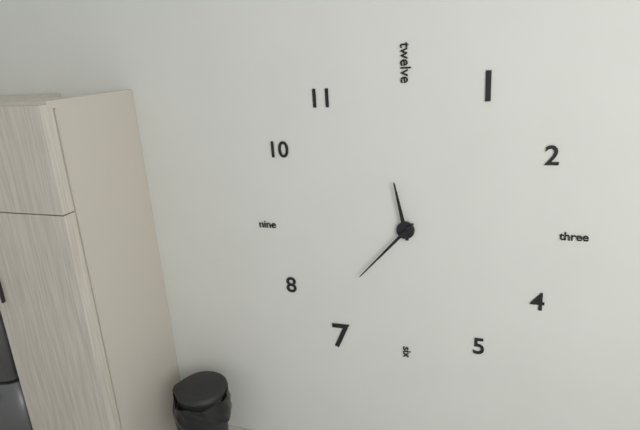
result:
11,37
